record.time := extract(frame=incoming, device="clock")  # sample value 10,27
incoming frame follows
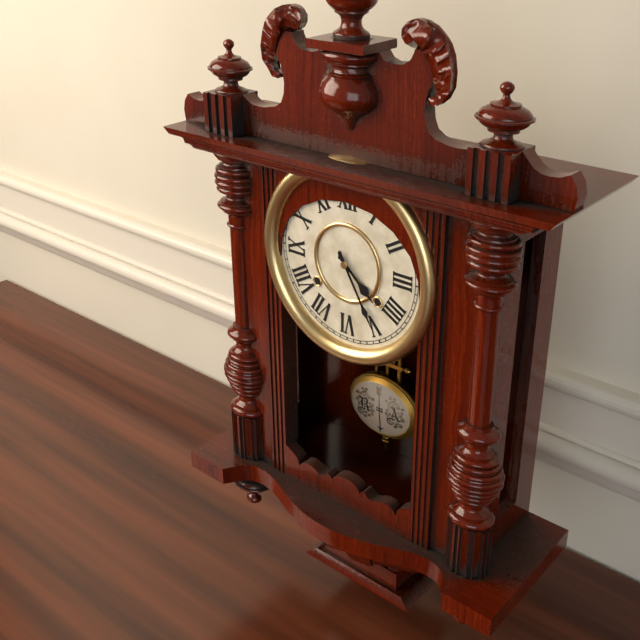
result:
4,25
